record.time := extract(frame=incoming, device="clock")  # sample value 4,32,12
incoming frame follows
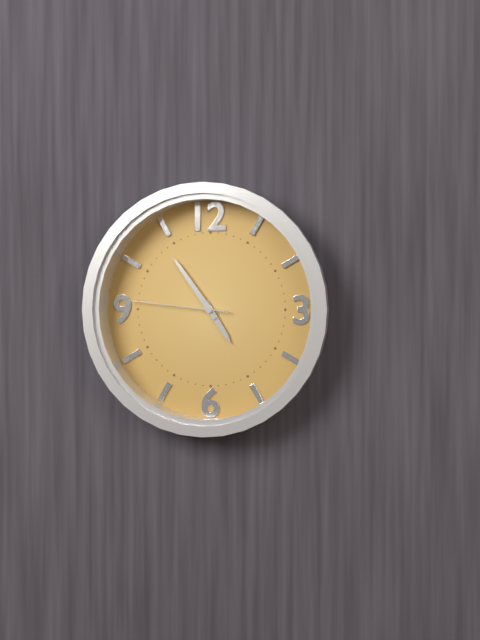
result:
4,54,46
